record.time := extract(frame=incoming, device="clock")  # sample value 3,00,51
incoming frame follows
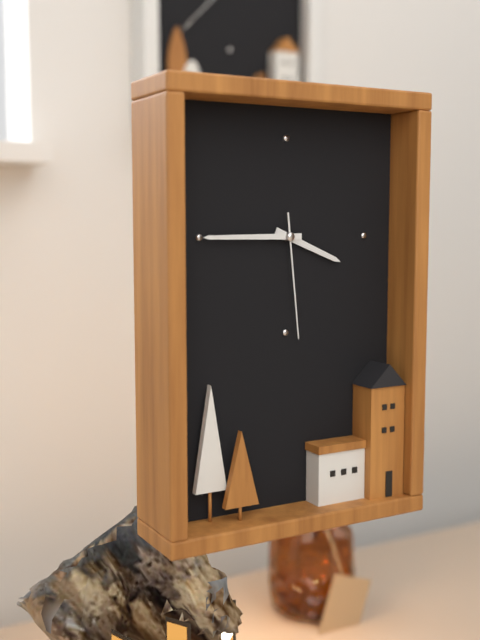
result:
3,45,29
